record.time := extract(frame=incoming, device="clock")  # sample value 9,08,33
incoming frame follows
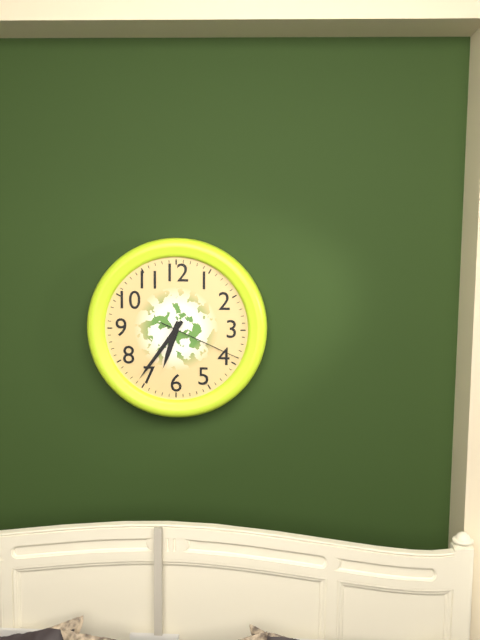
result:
6,36,19
